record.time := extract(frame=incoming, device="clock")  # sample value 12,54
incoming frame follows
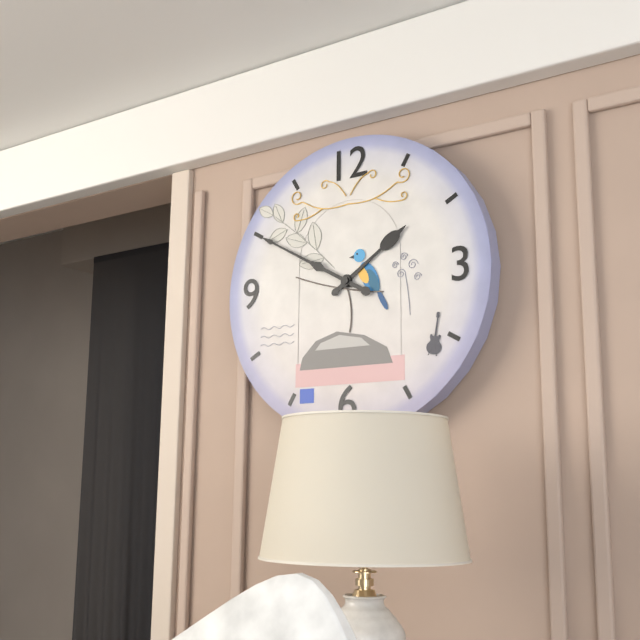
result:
1,50
